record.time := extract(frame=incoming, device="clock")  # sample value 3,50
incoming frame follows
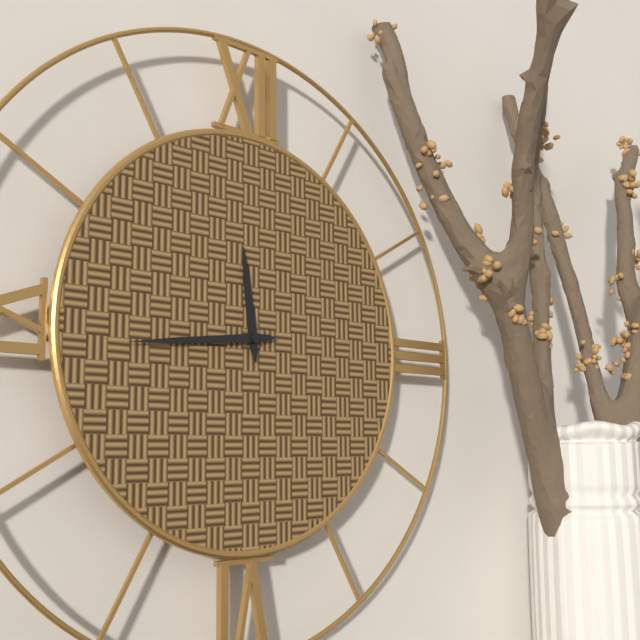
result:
11,44
